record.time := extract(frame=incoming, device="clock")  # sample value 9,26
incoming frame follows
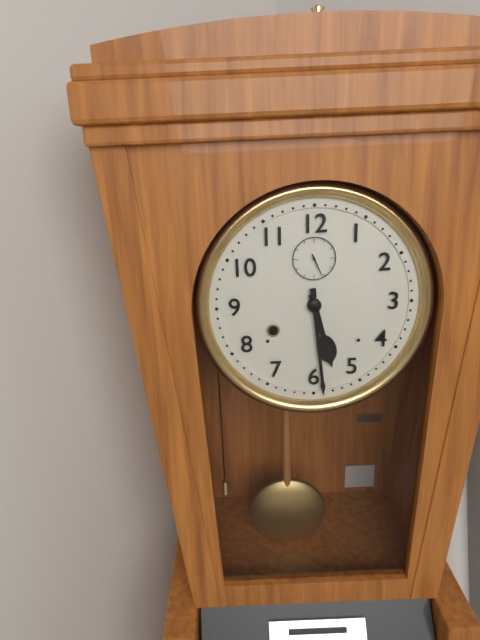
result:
5,29
